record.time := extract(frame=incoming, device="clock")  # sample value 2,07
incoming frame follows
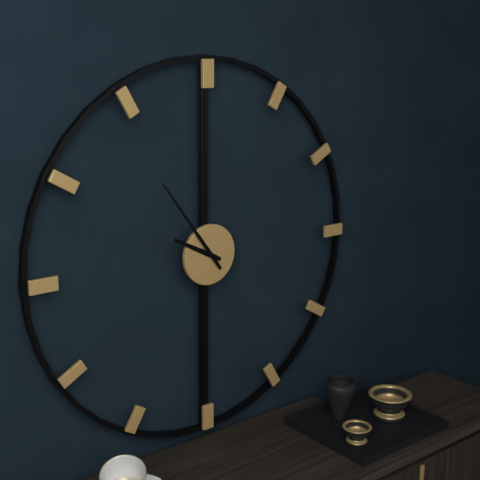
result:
9,54
